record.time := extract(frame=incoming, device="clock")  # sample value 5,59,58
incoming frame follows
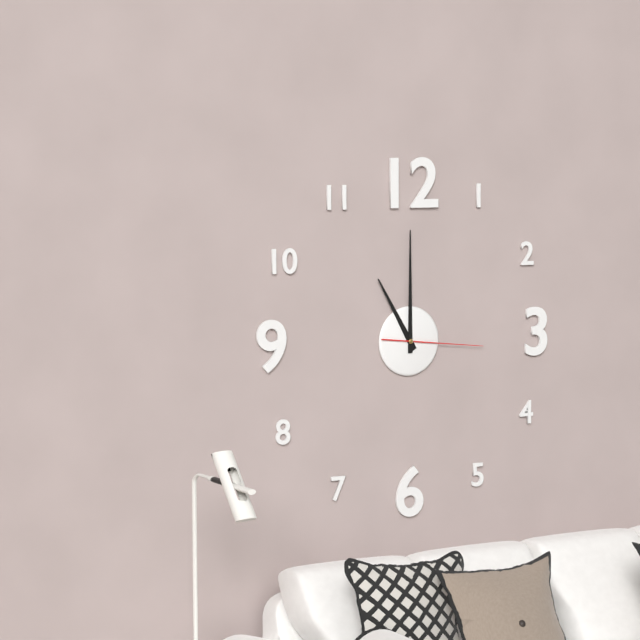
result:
11,00,16
